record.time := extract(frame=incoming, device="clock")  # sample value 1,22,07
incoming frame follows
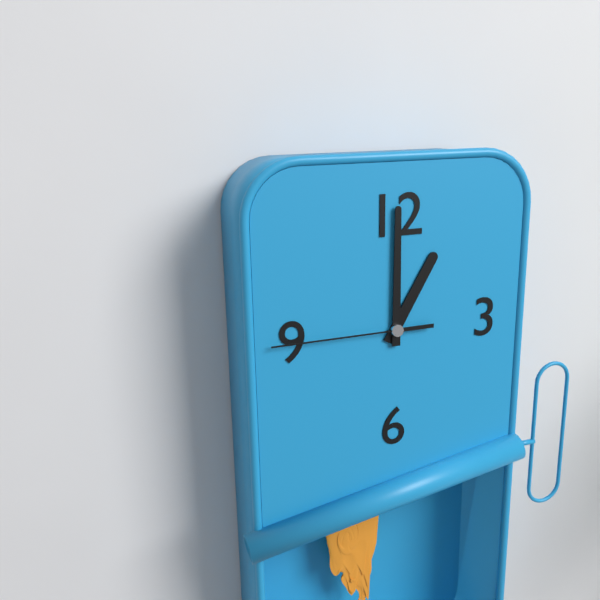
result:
1,00,45
